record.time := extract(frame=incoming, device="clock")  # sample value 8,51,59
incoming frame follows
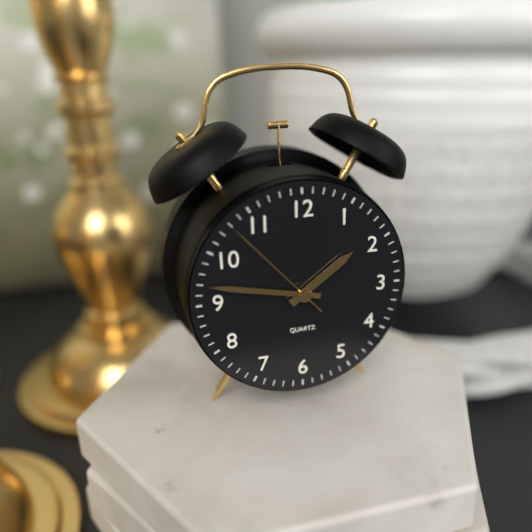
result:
1,47,53
